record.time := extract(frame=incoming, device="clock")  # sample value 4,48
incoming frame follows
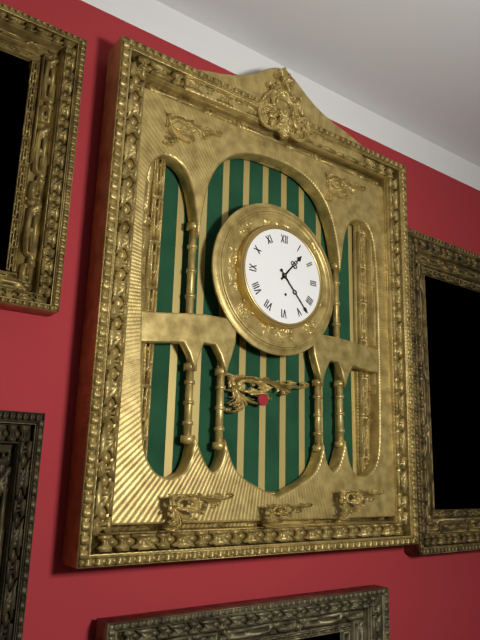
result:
1,23
